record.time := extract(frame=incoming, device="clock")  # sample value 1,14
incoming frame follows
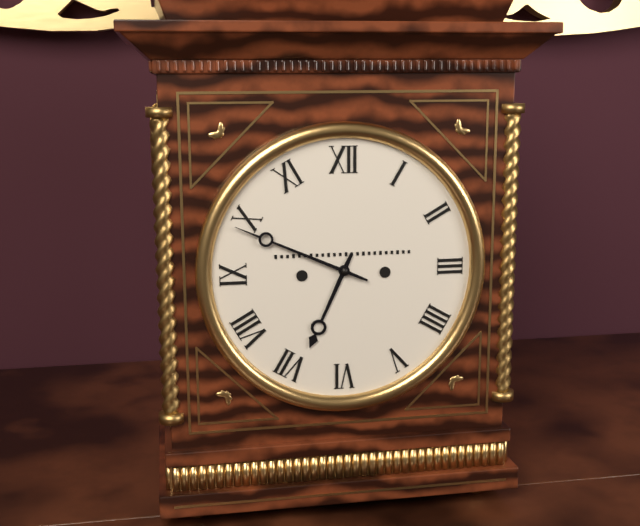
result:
6,49
